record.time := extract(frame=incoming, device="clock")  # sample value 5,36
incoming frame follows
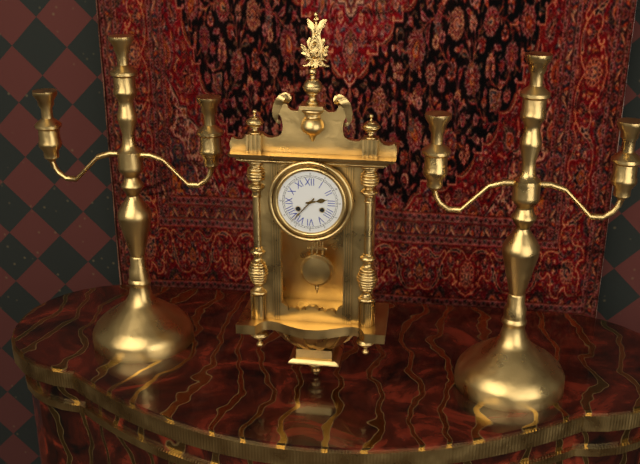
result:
2,37
